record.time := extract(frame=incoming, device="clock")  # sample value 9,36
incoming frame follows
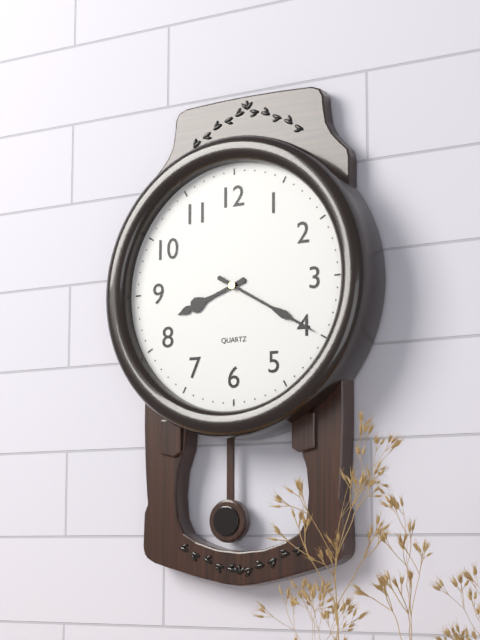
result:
8,20
